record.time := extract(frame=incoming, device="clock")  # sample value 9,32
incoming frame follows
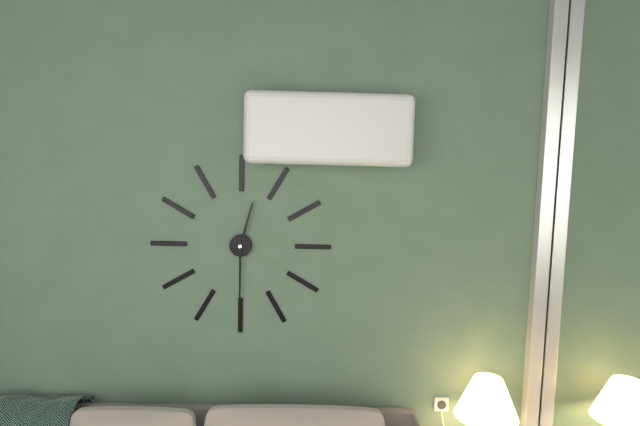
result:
12,30
